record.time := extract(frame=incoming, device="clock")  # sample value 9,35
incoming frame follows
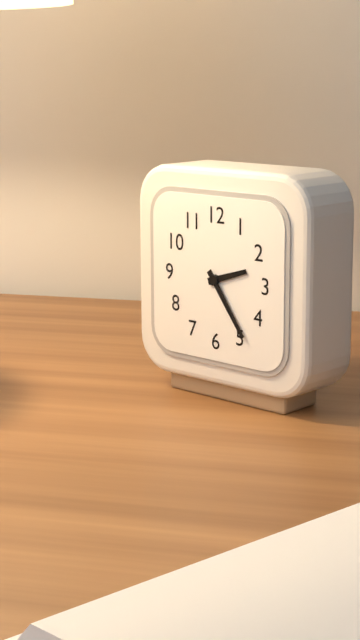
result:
2,24
